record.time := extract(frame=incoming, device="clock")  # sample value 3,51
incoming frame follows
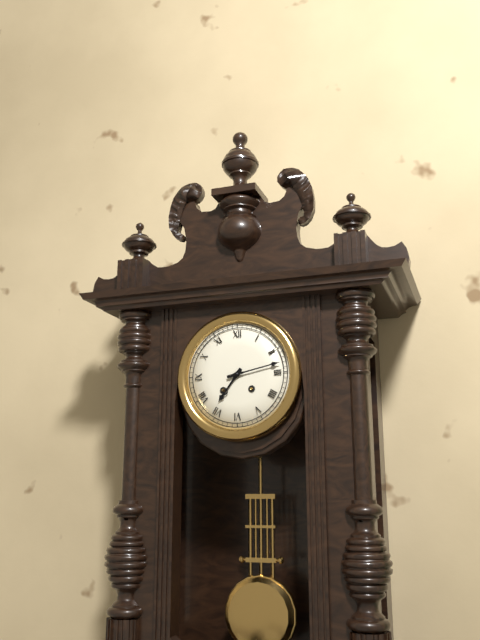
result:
7,13
